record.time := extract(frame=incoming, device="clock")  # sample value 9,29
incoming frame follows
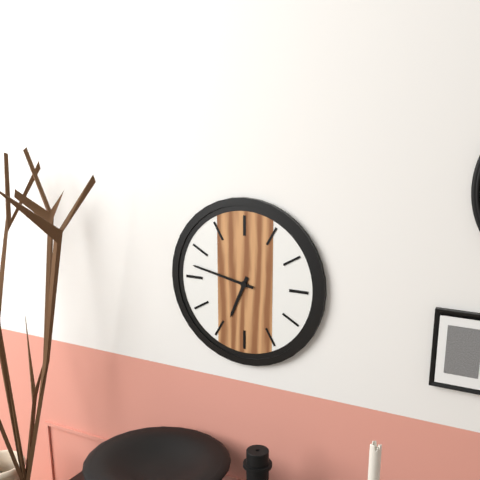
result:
6,47
